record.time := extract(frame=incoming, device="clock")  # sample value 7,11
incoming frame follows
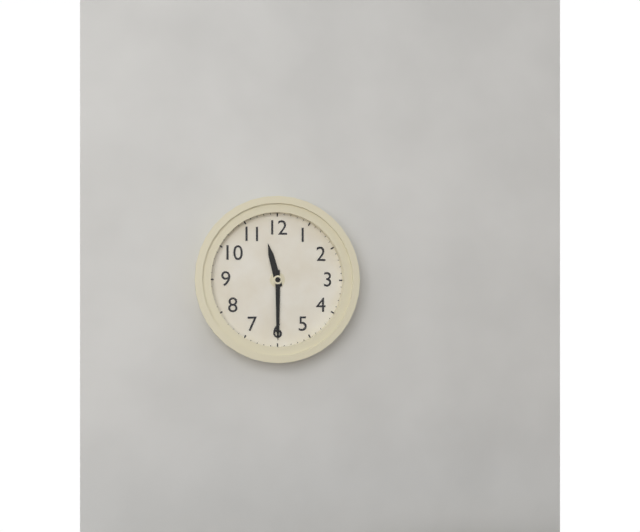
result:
11,30
